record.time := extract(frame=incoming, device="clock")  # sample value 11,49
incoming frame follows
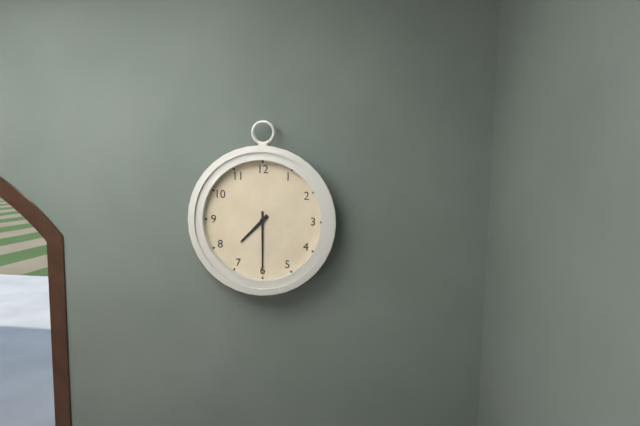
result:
7,30
